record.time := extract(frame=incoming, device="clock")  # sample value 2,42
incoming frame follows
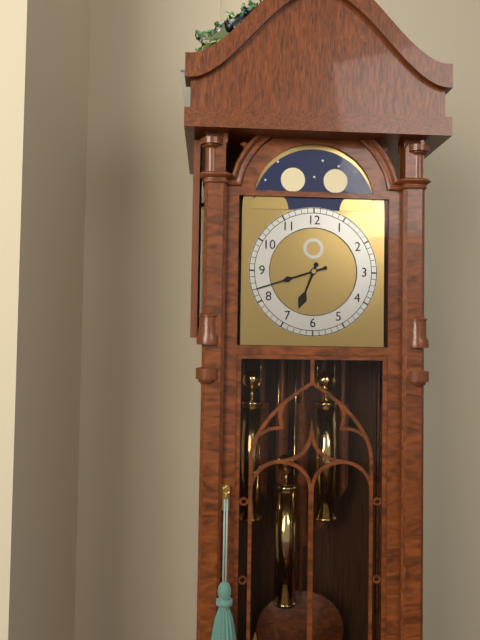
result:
6,42
